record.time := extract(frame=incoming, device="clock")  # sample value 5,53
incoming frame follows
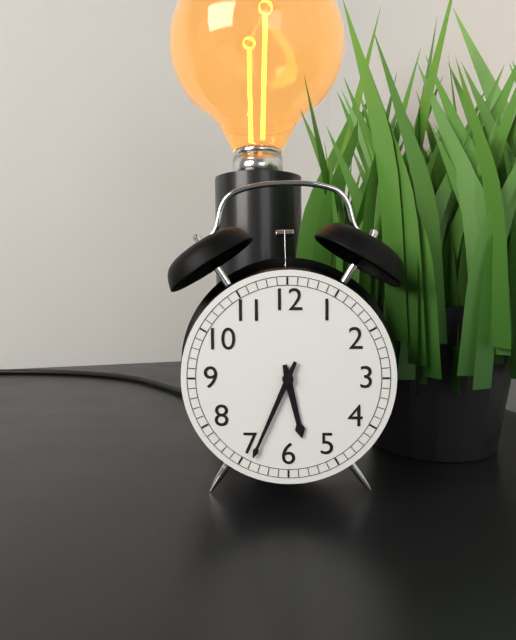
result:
5,34
